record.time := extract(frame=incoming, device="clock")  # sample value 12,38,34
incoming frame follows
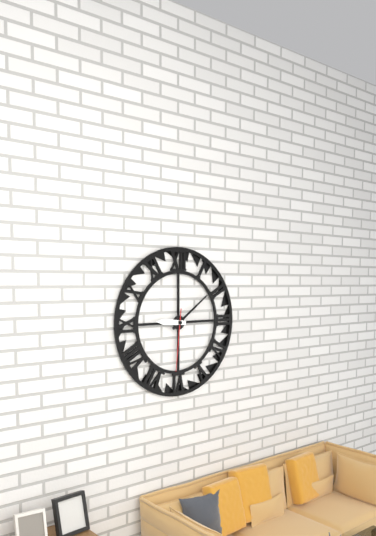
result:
9,09,31
